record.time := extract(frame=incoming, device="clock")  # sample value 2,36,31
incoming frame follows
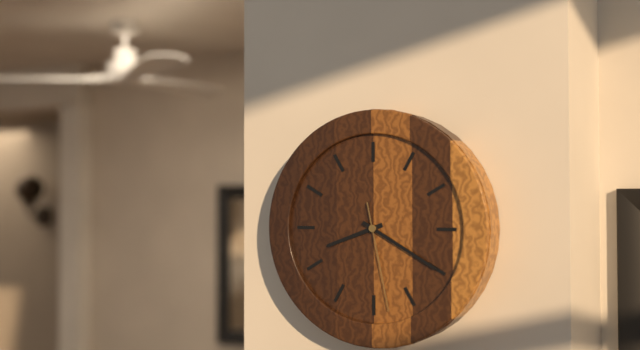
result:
8,20,28
